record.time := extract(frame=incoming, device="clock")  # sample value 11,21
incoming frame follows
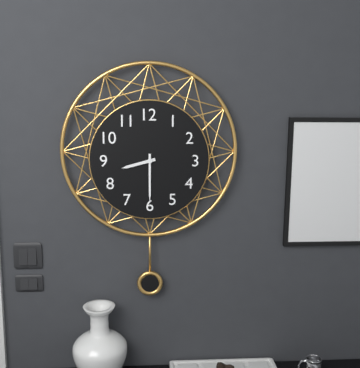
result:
8,30
